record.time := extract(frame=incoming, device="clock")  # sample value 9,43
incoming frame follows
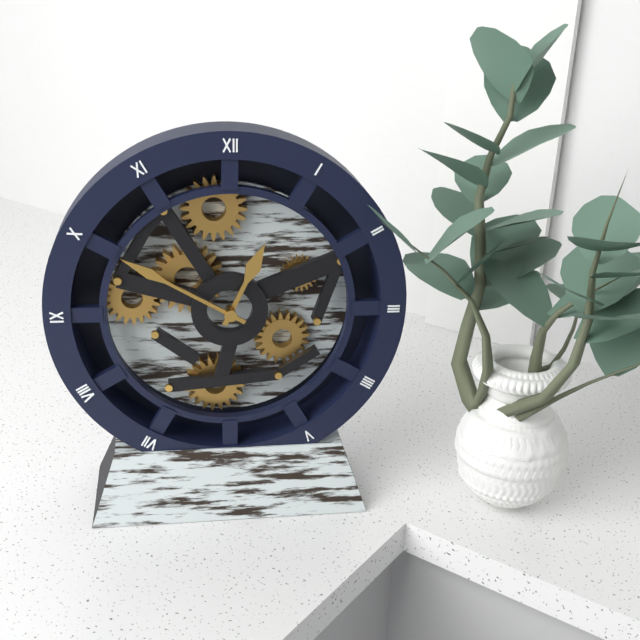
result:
12,50
